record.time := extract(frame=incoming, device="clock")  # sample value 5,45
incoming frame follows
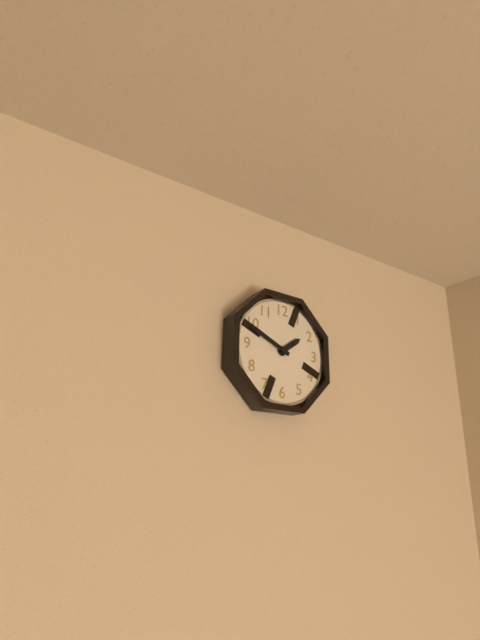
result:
1,49
